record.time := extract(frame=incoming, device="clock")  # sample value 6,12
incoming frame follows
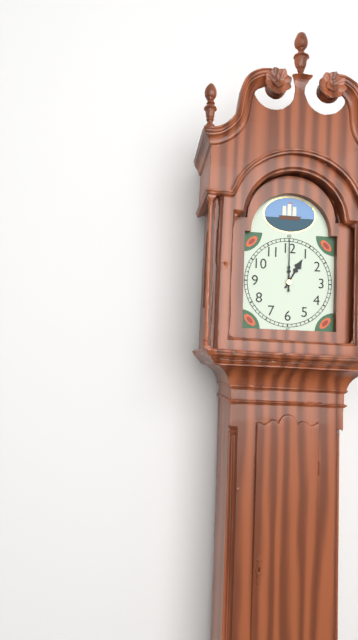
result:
1,00
